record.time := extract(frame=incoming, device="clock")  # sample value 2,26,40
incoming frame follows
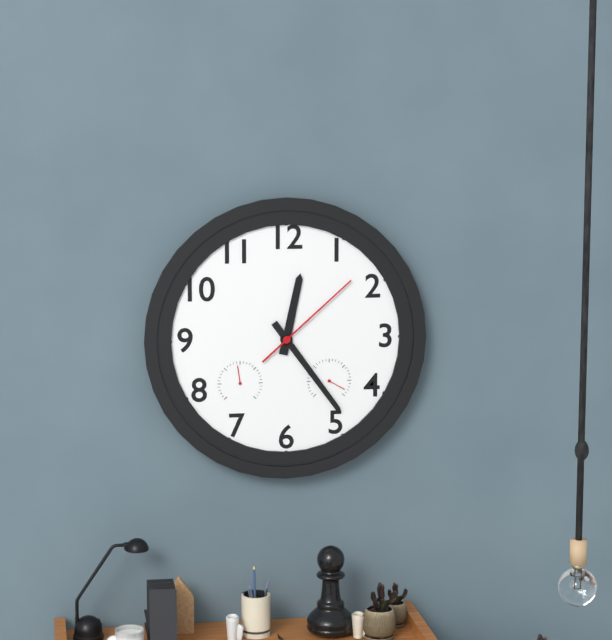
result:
12,24,08
